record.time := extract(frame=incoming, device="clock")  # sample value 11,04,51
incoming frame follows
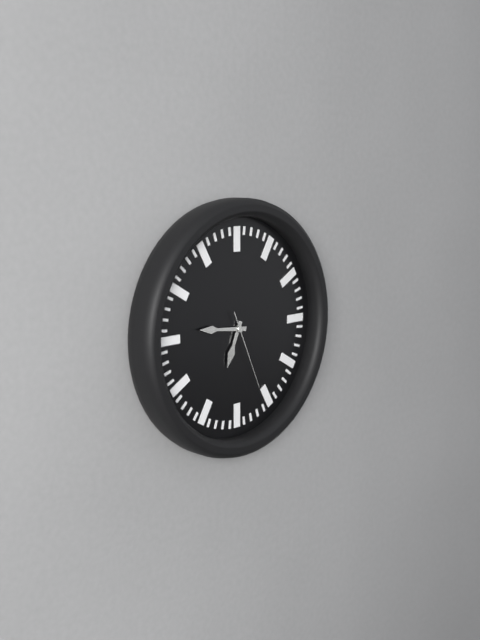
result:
6,46,26
